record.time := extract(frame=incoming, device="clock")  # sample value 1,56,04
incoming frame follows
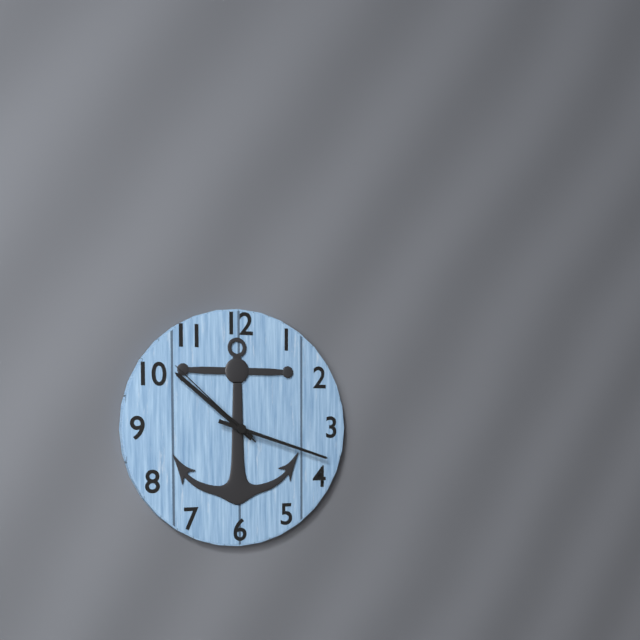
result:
10,18,52
